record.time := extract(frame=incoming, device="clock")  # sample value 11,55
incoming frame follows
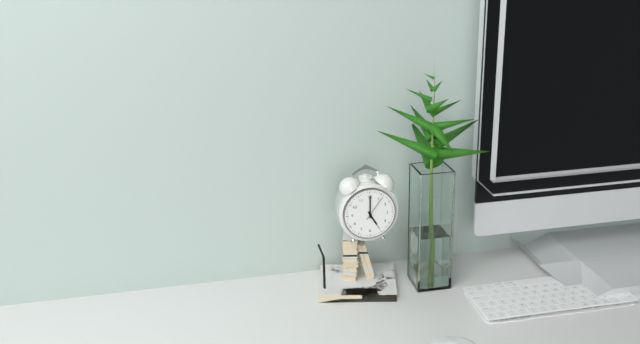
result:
5,00
